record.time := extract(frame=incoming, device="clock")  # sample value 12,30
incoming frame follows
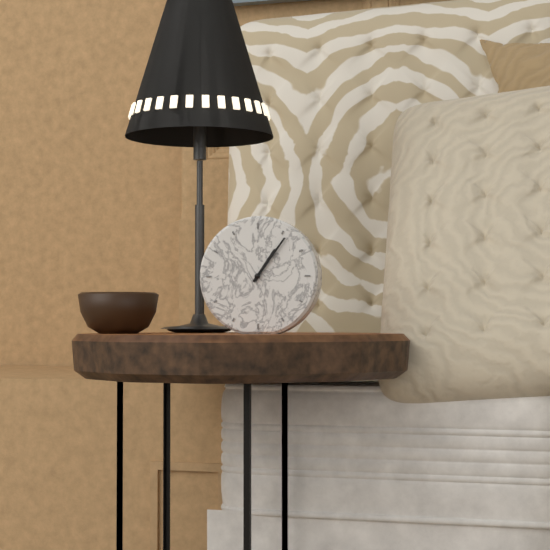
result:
1,06
